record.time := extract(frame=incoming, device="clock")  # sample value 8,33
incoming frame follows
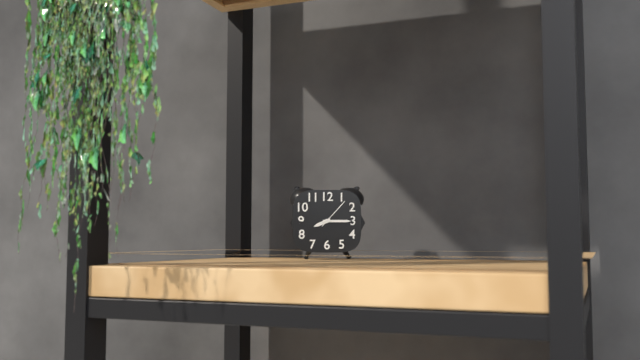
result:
8,15
